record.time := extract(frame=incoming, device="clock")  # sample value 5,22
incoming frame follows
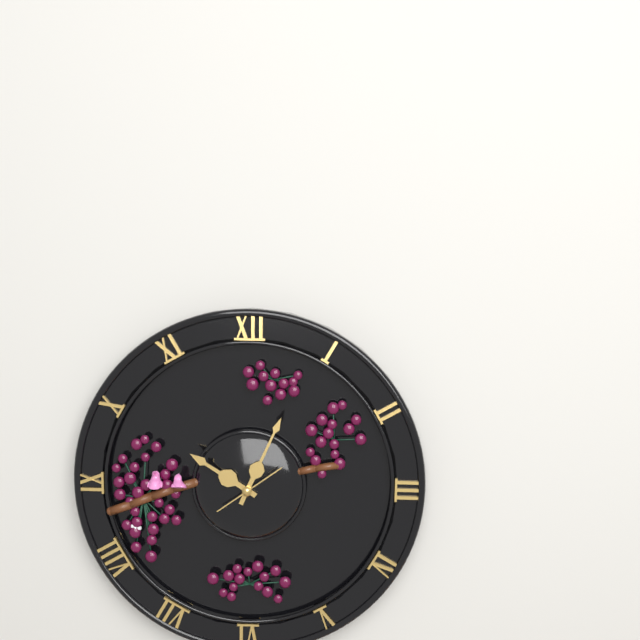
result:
10,04
